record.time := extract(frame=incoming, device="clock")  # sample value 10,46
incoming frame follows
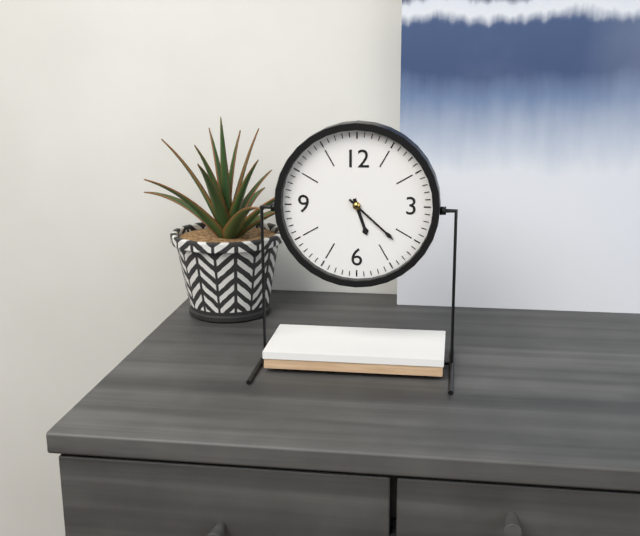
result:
5,22
